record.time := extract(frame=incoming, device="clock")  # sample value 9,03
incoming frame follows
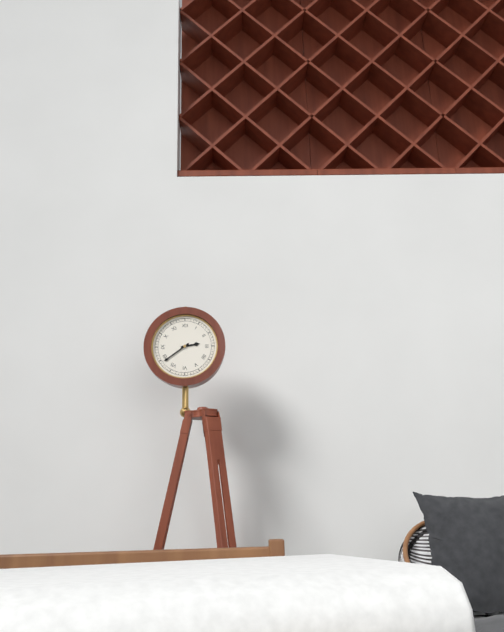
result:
2,39
